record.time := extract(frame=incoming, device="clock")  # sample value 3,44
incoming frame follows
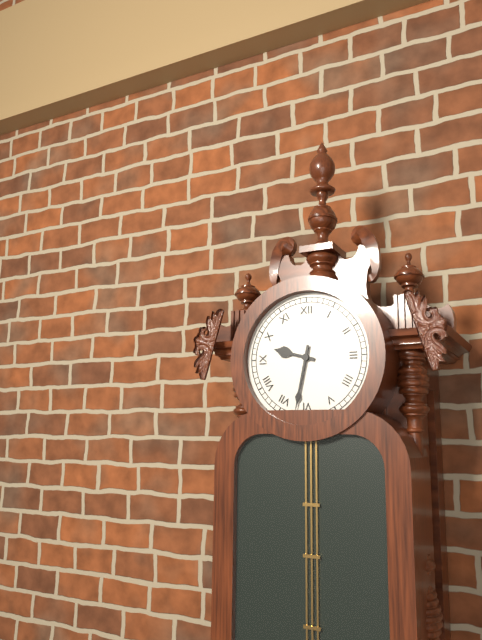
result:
9,32
